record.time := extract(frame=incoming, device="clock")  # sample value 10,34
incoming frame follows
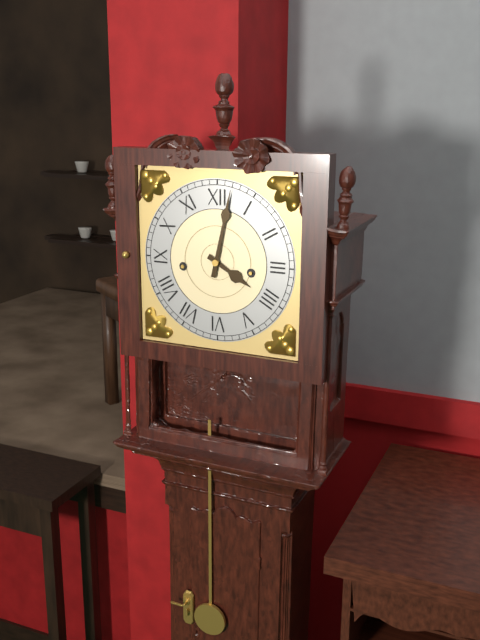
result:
4,02
